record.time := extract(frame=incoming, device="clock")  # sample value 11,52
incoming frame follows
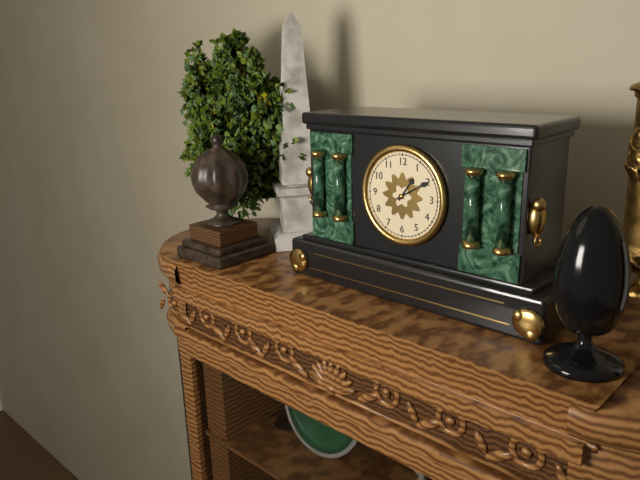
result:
1,10
